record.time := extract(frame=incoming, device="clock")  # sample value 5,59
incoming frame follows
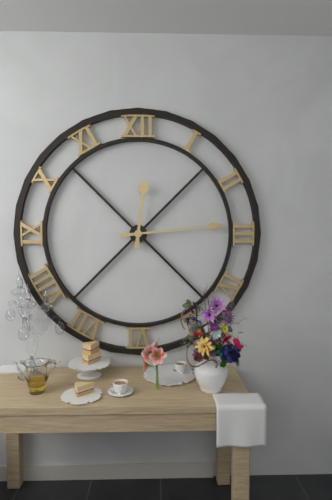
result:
12,14
